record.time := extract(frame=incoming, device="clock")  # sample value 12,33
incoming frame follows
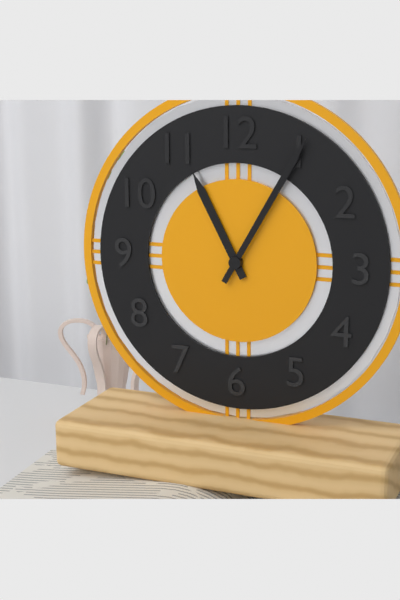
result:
11,05
